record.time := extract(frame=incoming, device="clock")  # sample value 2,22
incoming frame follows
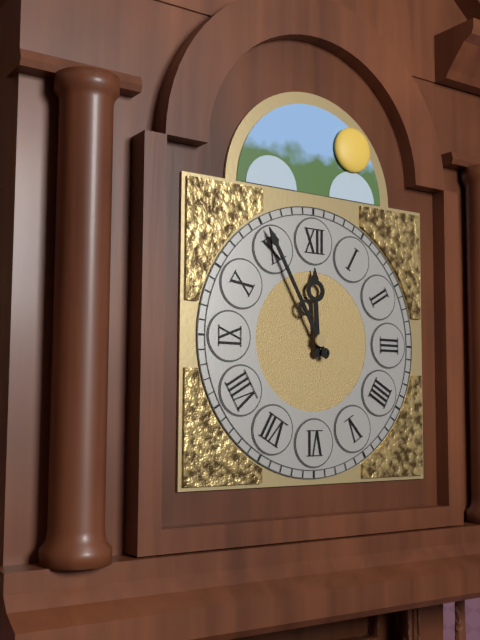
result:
11,55
